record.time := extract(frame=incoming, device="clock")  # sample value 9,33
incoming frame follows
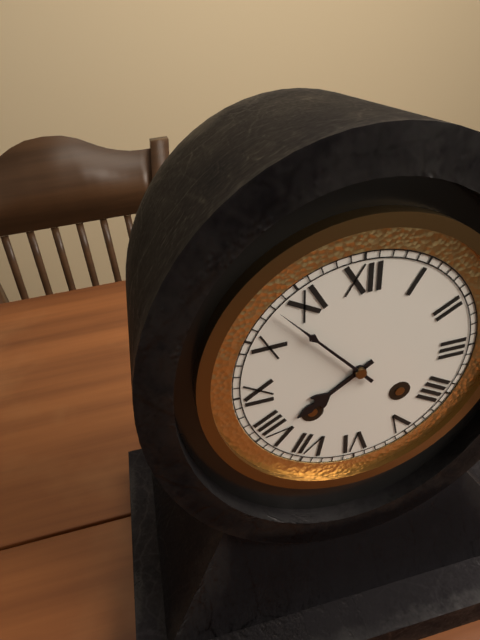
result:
7,53
